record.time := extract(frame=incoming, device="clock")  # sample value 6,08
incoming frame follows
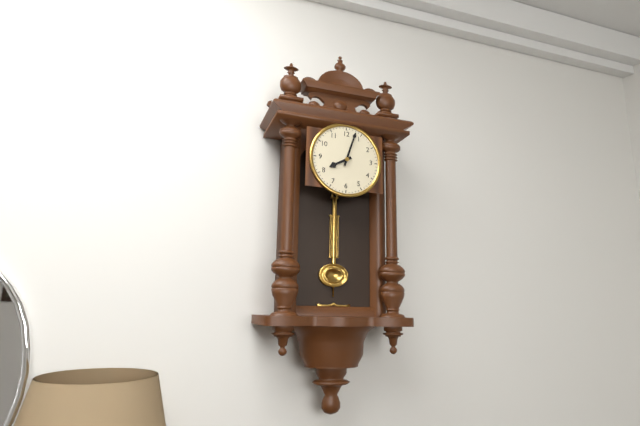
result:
8,03
